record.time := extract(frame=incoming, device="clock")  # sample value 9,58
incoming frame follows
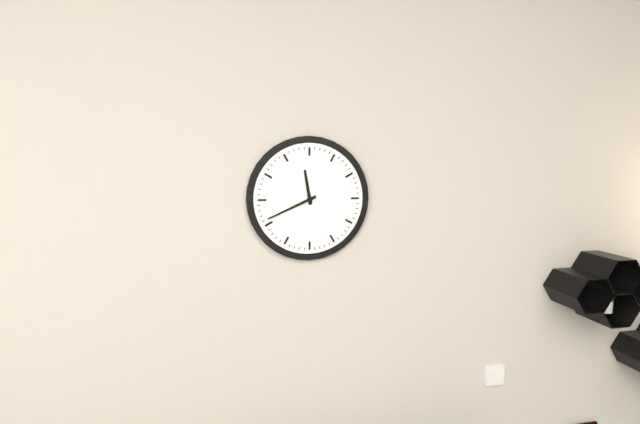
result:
11,41
